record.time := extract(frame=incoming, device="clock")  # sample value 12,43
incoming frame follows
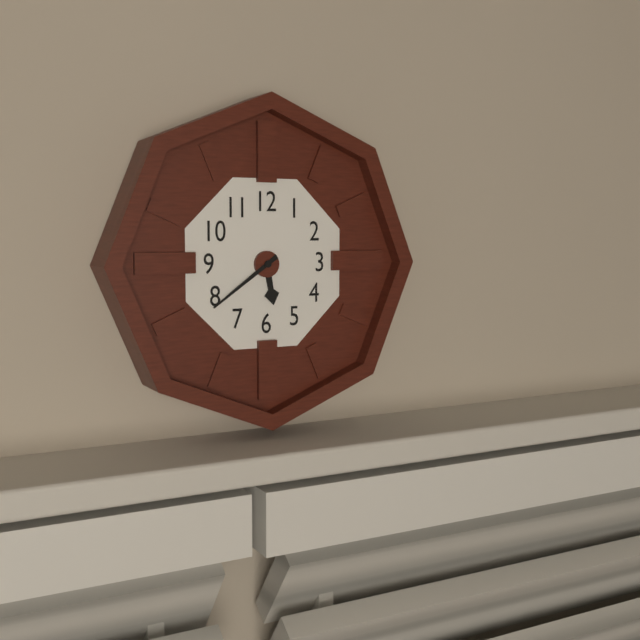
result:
5,39
